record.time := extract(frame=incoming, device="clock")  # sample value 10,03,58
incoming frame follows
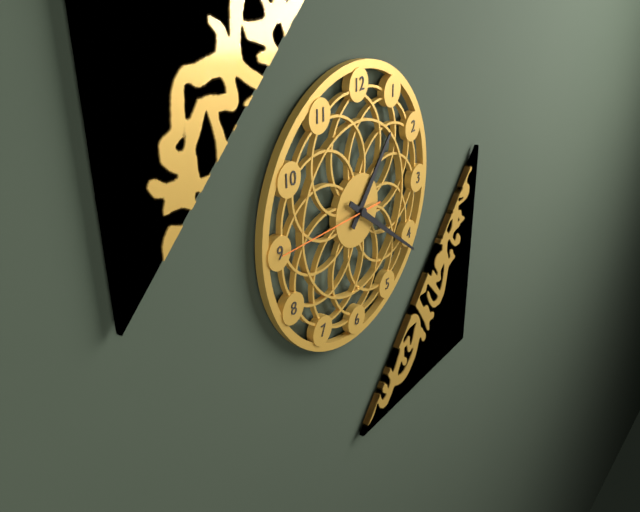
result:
1,21,45
